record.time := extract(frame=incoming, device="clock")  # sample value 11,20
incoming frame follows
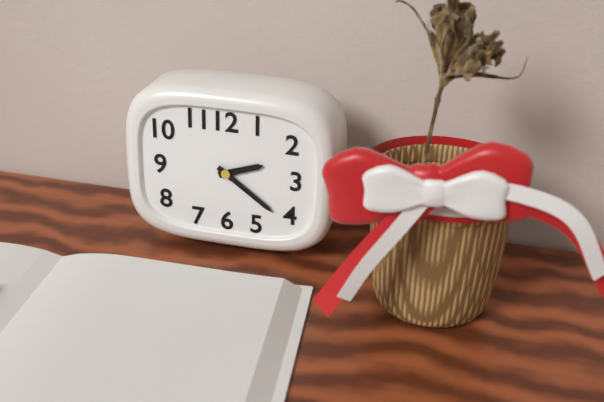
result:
2,21
